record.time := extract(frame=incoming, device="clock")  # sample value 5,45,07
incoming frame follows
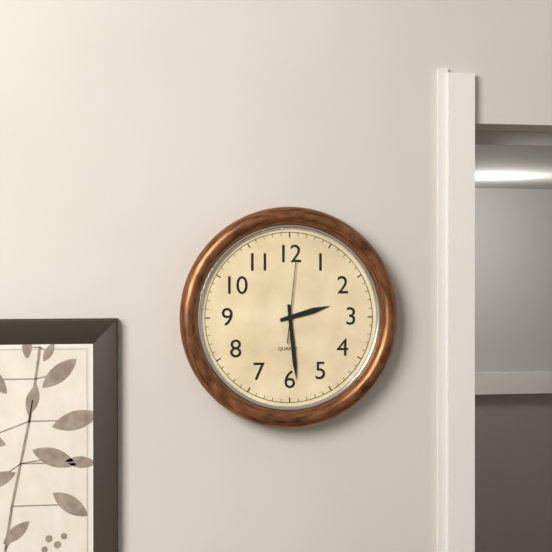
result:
2,29,01
